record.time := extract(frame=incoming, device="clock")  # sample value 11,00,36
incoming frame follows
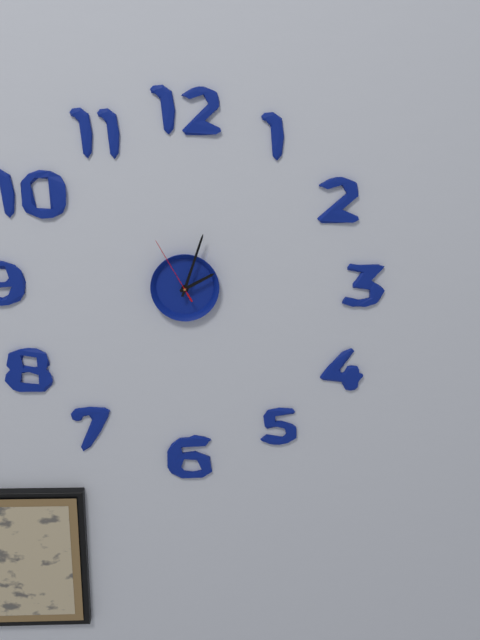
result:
2,03,55
